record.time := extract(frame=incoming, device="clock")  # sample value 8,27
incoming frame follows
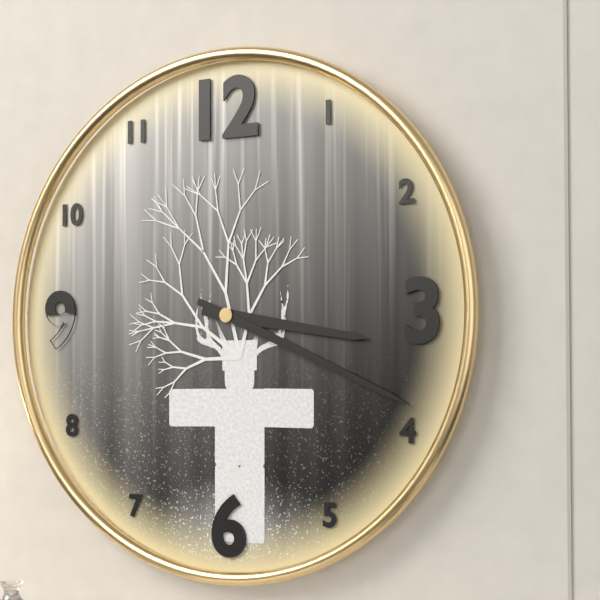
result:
3,19
